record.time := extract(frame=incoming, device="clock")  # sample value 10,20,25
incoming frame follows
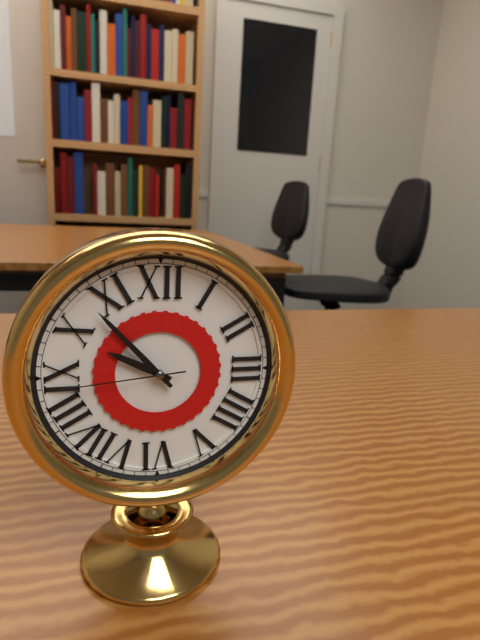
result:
9,53,44
